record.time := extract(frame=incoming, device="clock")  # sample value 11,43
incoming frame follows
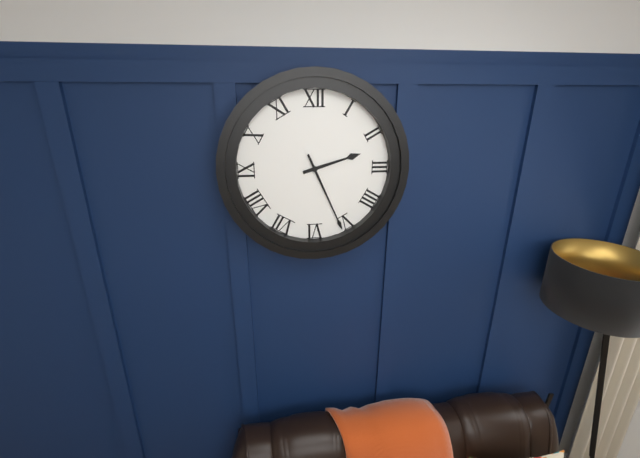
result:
2,26
